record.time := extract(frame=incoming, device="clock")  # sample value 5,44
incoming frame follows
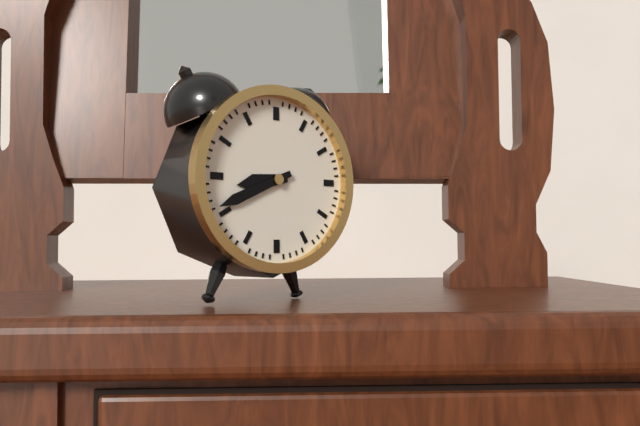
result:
8,41
